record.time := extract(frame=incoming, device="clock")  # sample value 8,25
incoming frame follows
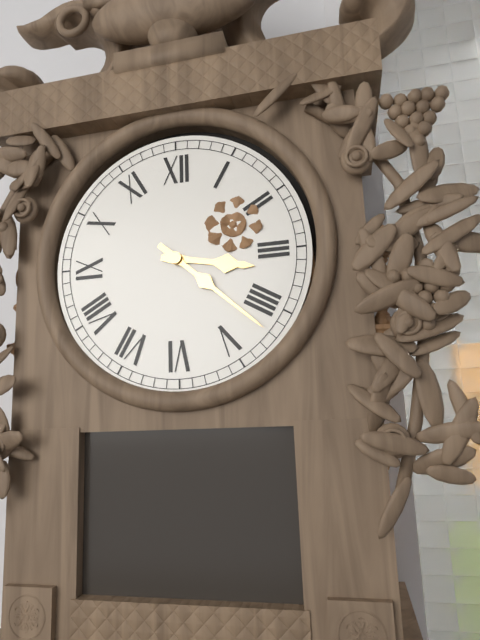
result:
3,22
